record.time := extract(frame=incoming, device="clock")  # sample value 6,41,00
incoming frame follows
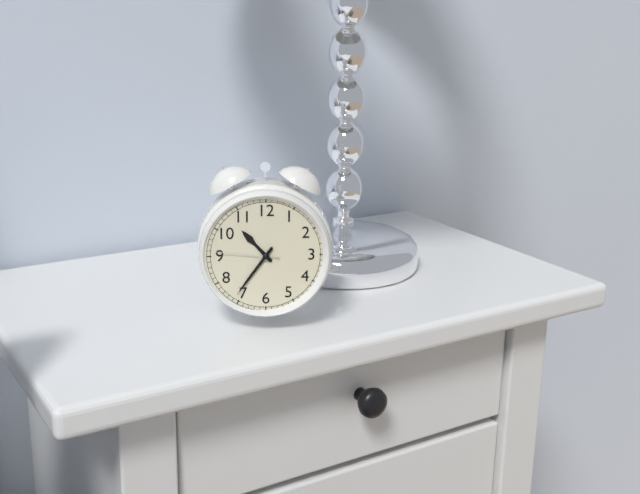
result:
10,36,46
